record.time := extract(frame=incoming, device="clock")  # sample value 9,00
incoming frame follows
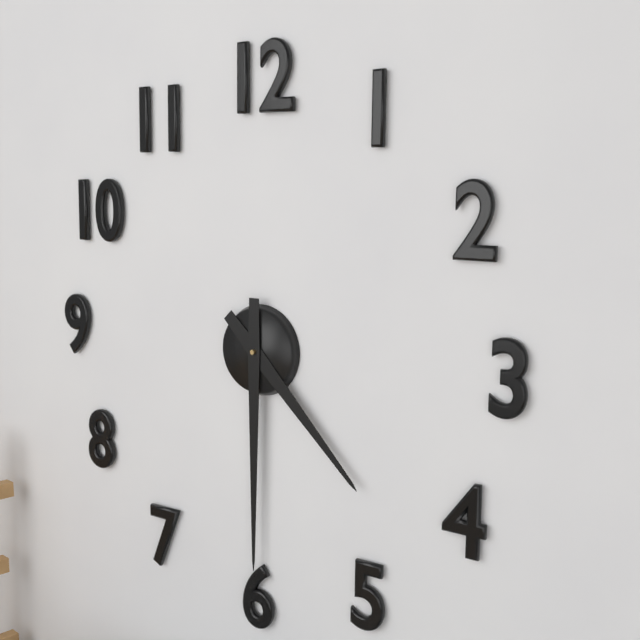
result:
4,30
